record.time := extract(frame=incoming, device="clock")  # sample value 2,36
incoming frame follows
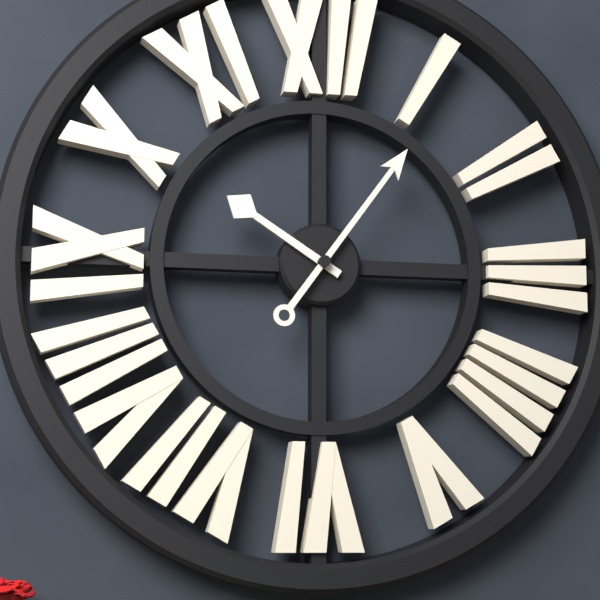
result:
10,06
